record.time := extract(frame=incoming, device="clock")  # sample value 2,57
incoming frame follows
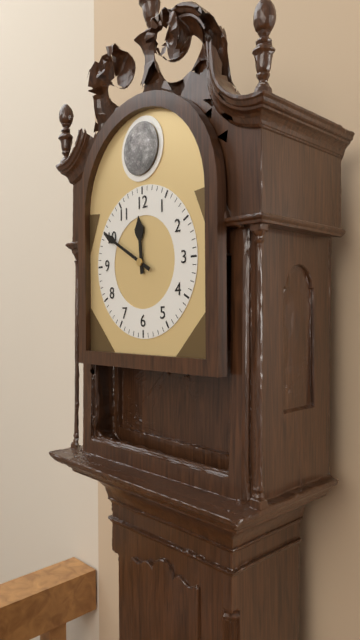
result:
11,50
